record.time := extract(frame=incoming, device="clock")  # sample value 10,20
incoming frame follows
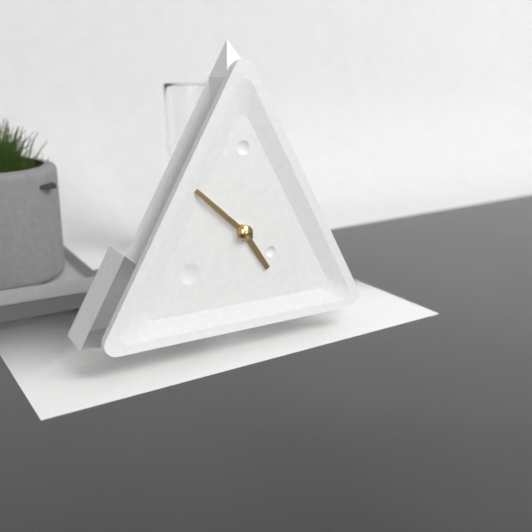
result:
4,52
